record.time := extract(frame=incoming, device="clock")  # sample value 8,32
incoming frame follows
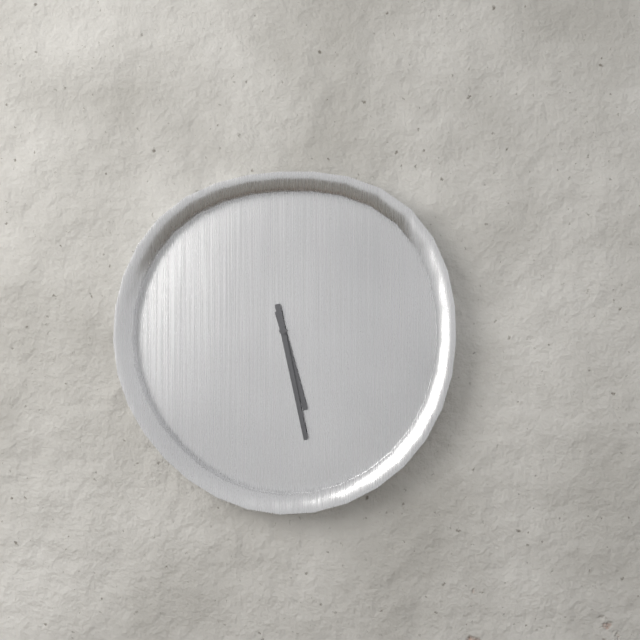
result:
5,28
